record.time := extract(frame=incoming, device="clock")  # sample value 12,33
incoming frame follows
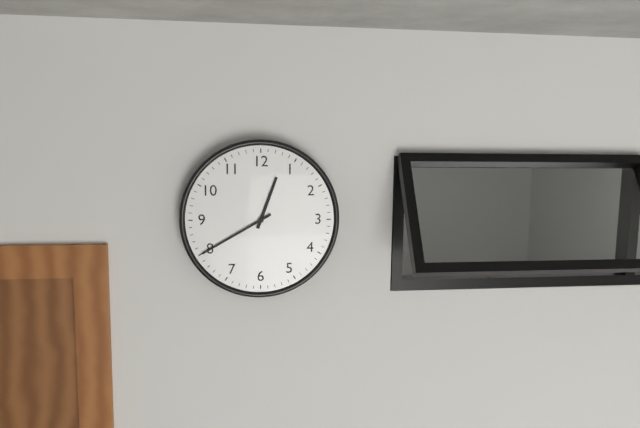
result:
12,40
